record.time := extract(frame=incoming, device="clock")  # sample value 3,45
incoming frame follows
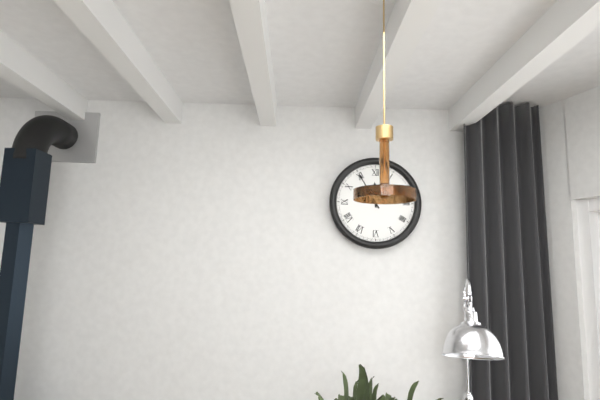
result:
11,55
